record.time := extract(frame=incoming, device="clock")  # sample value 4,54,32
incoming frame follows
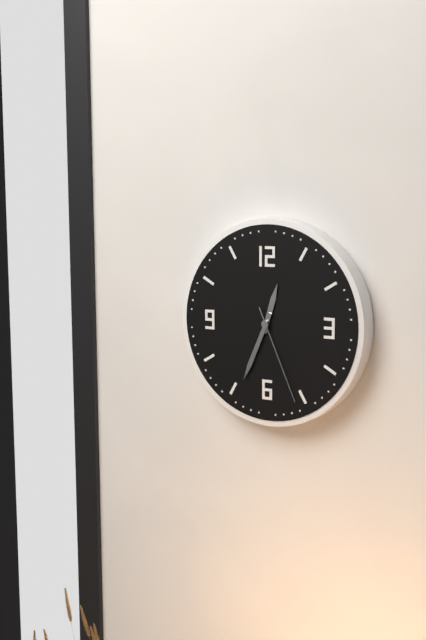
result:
12,34,26
